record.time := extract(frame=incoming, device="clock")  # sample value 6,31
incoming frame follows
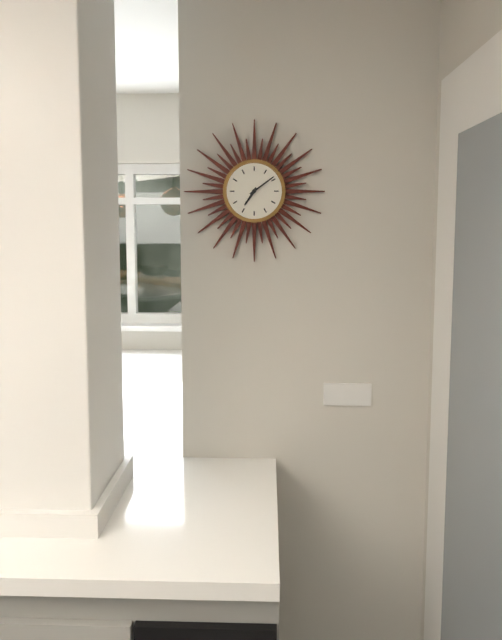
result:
7,09
